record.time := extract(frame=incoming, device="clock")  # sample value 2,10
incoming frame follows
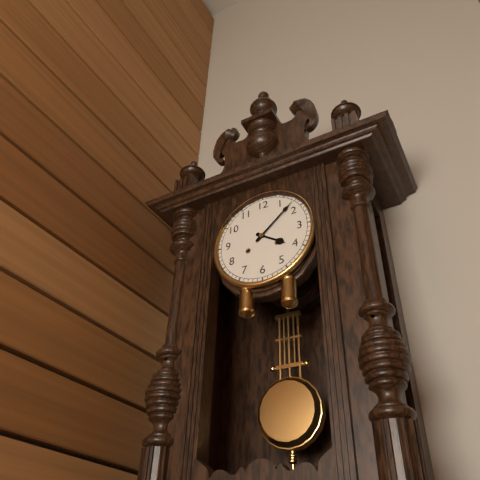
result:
4,08
